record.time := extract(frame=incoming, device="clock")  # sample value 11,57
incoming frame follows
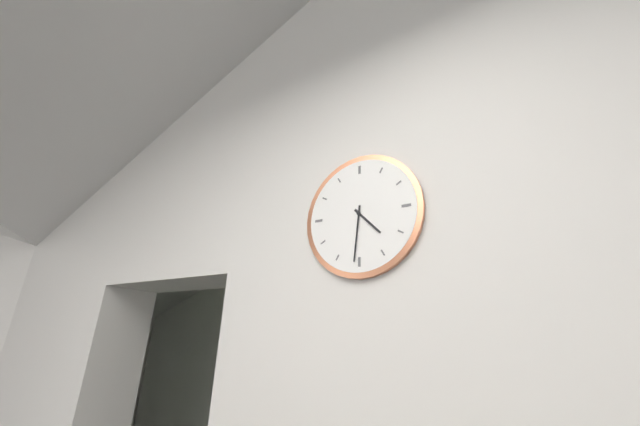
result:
4,31
